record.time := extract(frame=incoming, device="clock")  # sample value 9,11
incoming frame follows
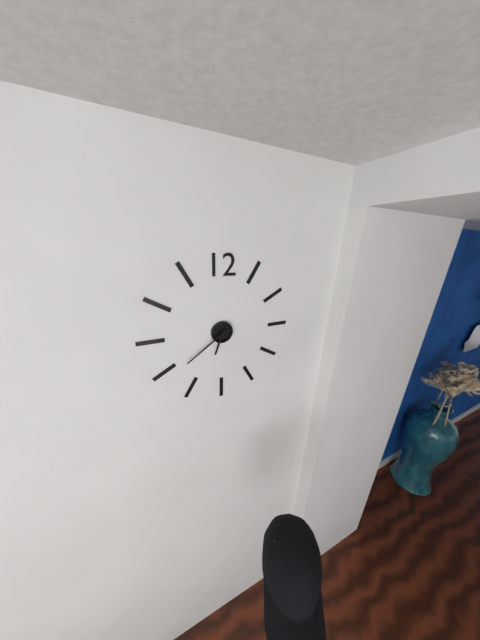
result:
6,39
